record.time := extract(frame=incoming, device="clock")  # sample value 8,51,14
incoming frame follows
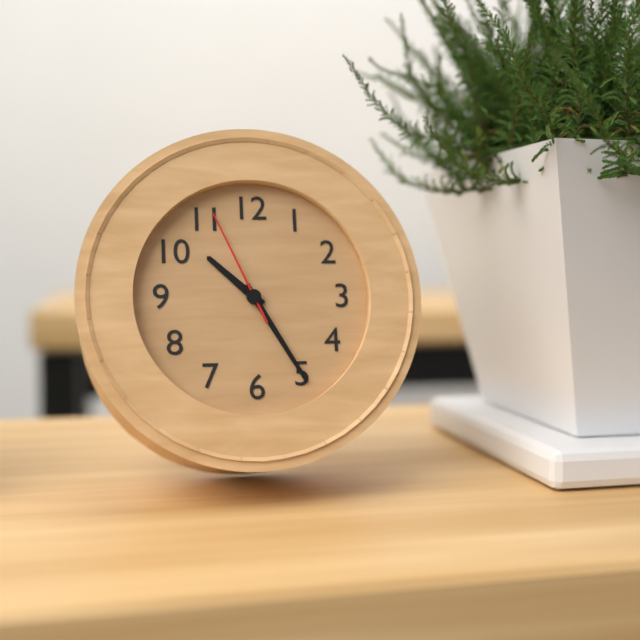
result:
10,25,56
